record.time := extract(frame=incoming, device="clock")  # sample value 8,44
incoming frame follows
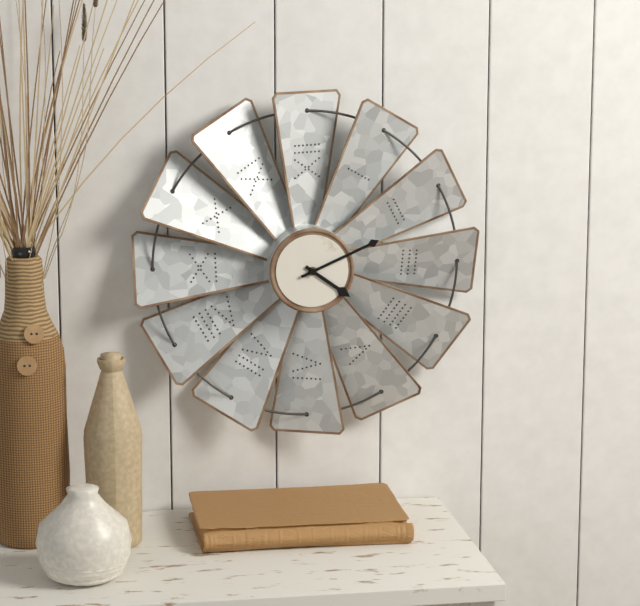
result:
4,11
